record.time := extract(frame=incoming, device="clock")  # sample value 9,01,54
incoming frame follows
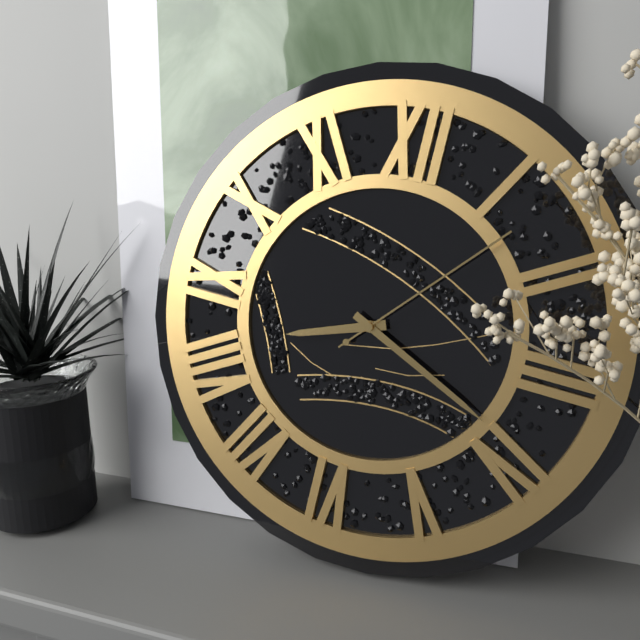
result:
8,19,07
